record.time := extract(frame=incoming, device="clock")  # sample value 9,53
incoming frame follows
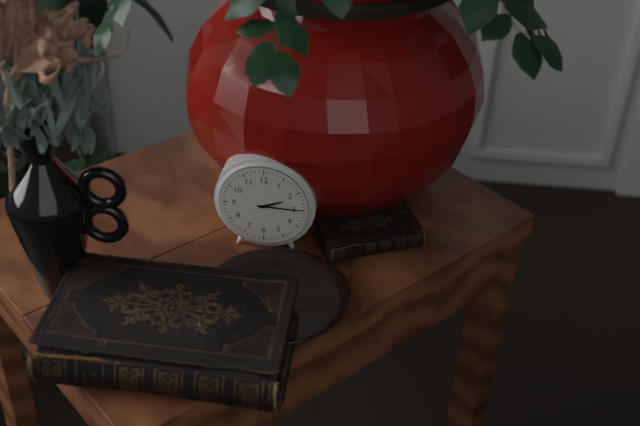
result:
2,15
